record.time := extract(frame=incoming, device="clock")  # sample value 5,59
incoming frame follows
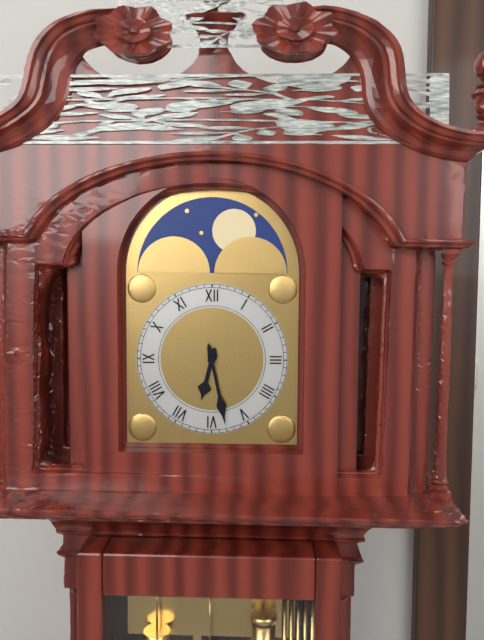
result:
6,28
